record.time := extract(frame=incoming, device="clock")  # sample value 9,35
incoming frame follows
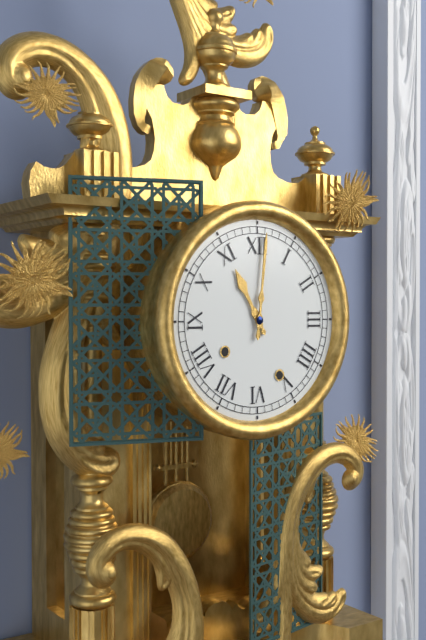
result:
11,01
